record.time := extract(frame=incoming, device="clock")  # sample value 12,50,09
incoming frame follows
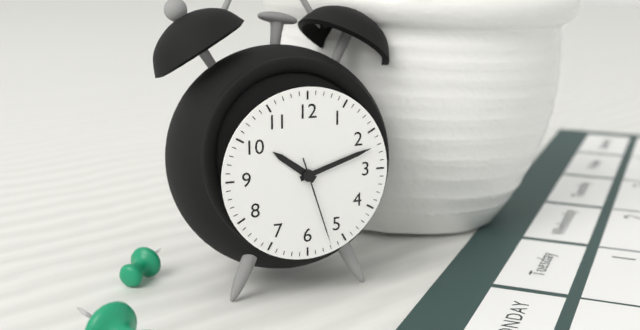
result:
10,12,27
